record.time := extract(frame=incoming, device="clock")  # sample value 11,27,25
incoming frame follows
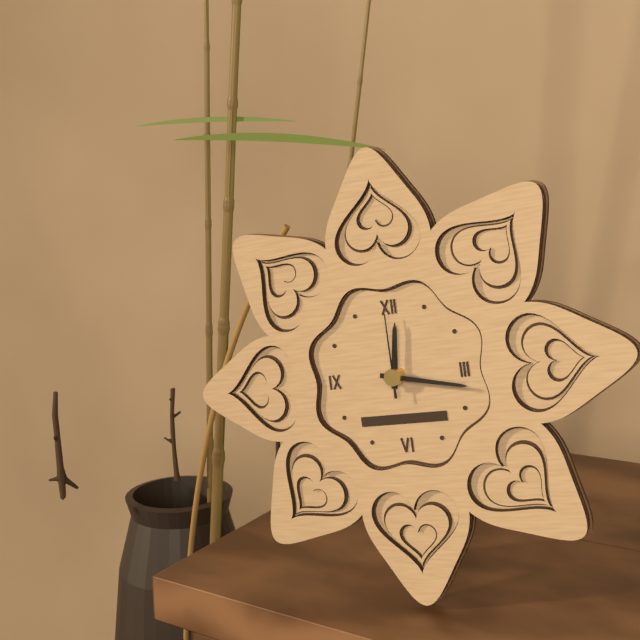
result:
12,17,00
